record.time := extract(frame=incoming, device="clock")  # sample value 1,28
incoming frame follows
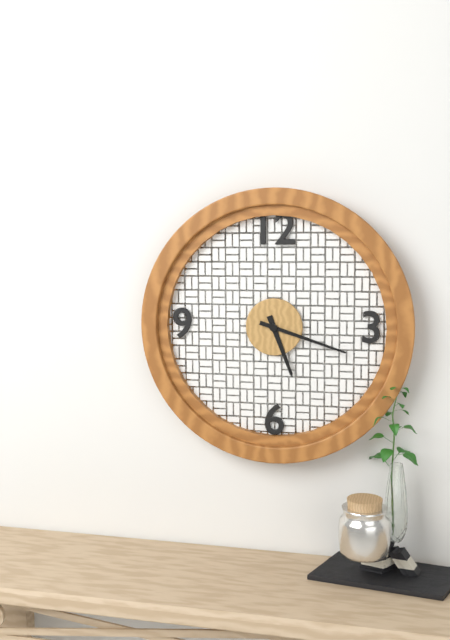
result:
5,18
